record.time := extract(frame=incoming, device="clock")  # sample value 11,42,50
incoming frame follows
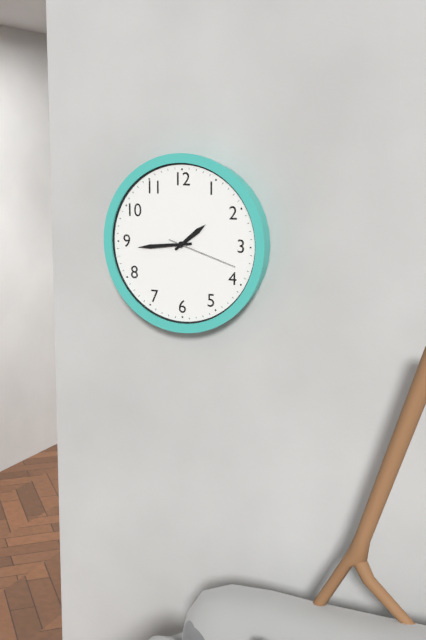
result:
1,44,18
